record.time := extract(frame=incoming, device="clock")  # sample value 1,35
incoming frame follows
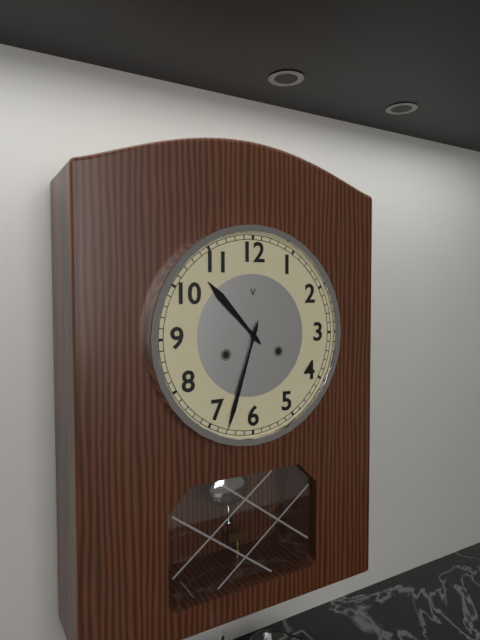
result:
10,33
